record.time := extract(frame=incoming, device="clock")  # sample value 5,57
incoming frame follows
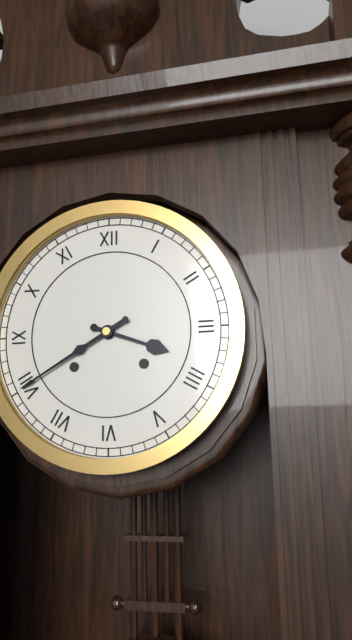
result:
3,40
